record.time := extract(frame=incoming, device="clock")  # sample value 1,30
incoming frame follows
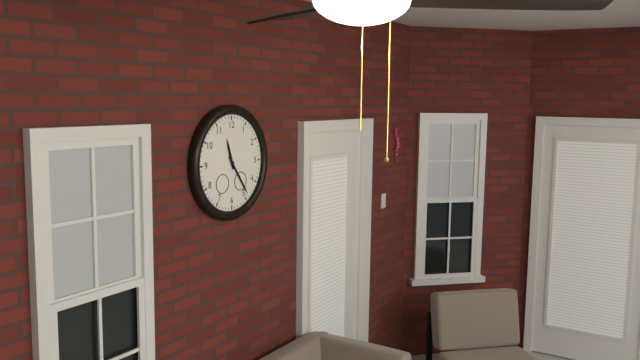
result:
11,24
